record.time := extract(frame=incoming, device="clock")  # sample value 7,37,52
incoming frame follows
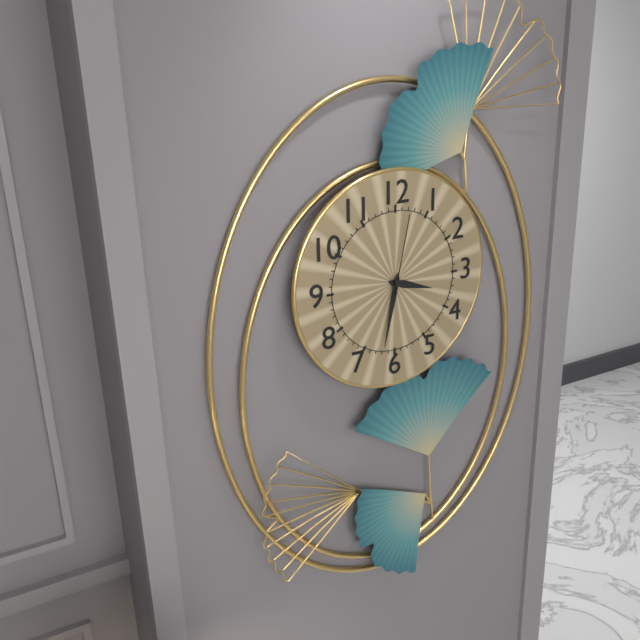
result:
3,32,02
